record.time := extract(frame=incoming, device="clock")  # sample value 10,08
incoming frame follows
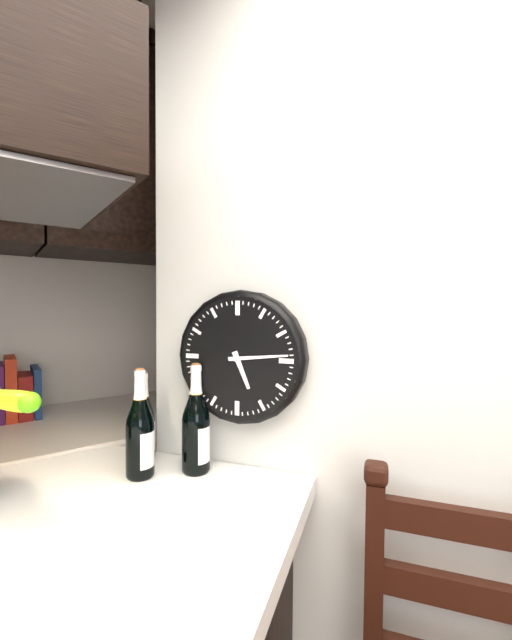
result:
5,14
